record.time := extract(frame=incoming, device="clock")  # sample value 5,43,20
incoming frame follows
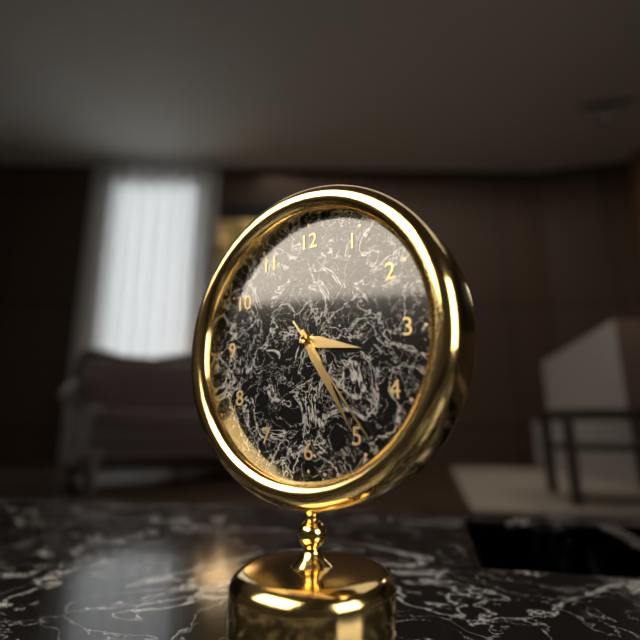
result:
3,25,24
